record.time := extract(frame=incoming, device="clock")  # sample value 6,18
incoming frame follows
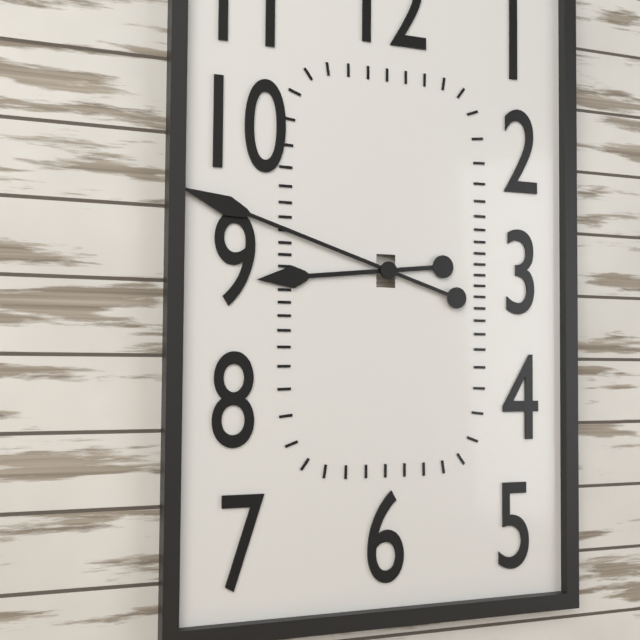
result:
8,48
